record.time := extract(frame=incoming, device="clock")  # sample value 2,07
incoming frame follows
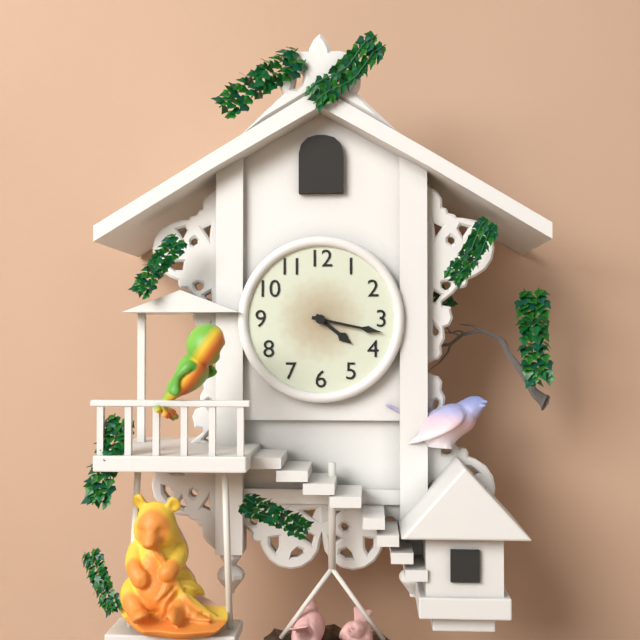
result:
4,17
